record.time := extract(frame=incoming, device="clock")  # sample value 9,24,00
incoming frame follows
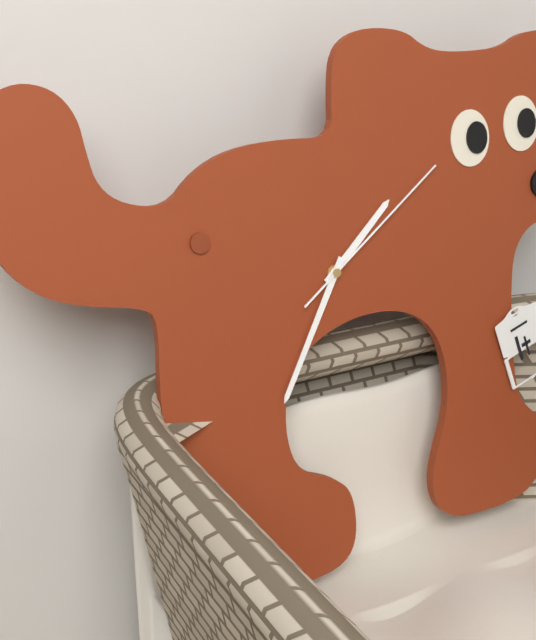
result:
1,35,09
